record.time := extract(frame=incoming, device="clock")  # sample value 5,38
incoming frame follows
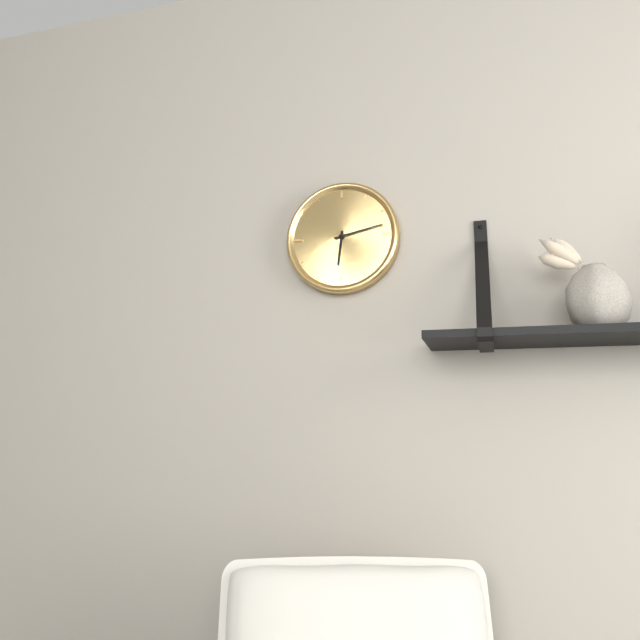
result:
6,13
